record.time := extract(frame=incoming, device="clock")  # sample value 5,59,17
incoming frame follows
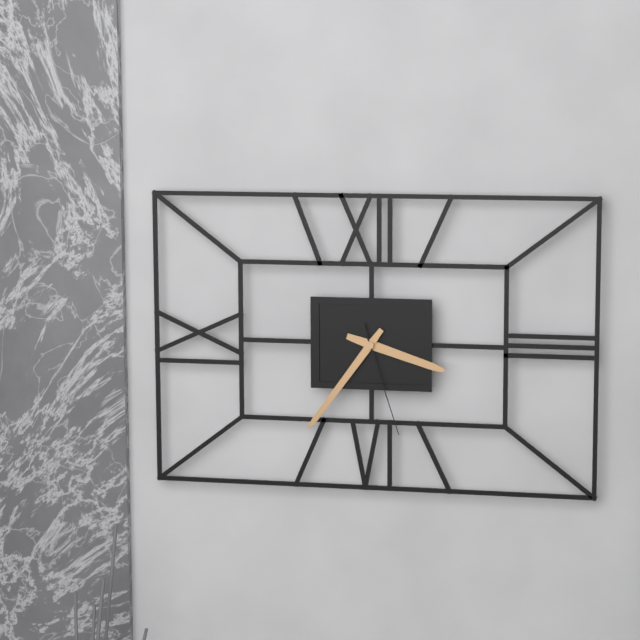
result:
3,36,27
